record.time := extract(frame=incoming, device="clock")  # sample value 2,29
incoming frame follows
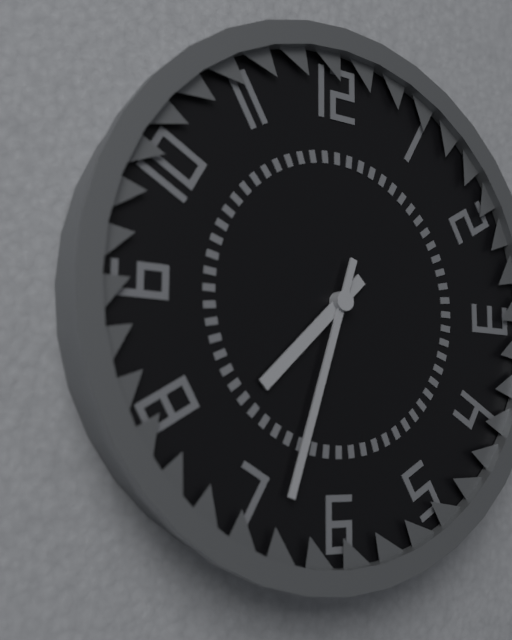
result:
7,33
